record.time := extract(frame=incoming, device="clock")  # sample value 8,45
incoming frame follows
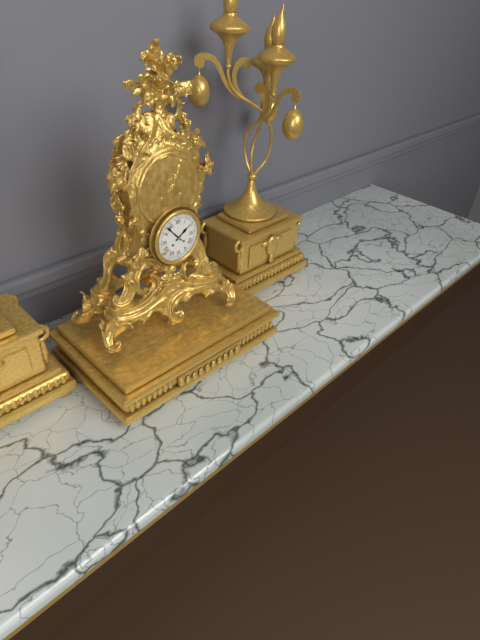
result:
1,53
